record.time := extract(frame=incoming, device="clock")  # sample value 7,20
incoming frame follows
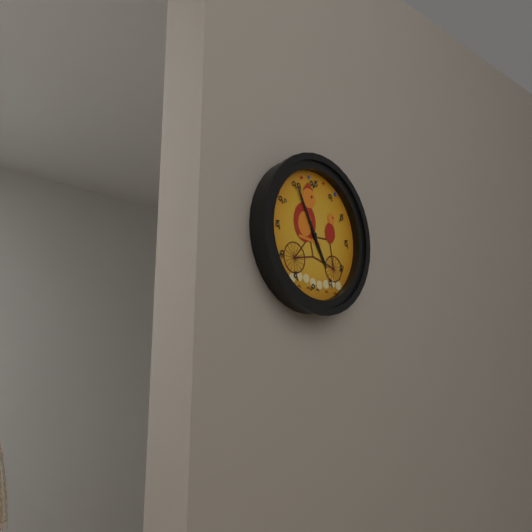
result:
4,55
